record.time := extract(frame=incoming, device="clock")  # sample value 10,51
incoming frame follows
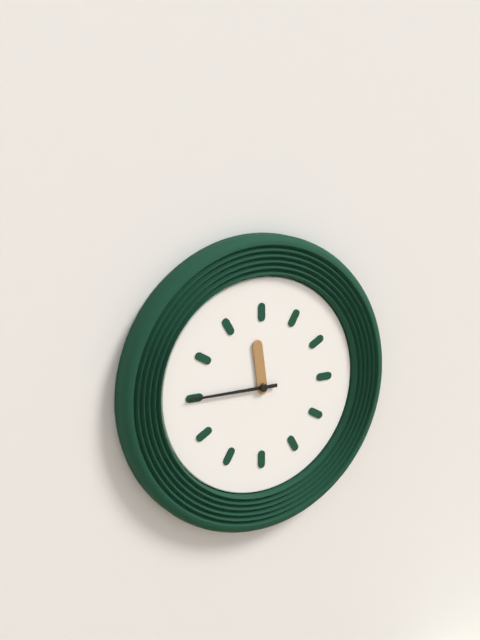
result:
11,45
